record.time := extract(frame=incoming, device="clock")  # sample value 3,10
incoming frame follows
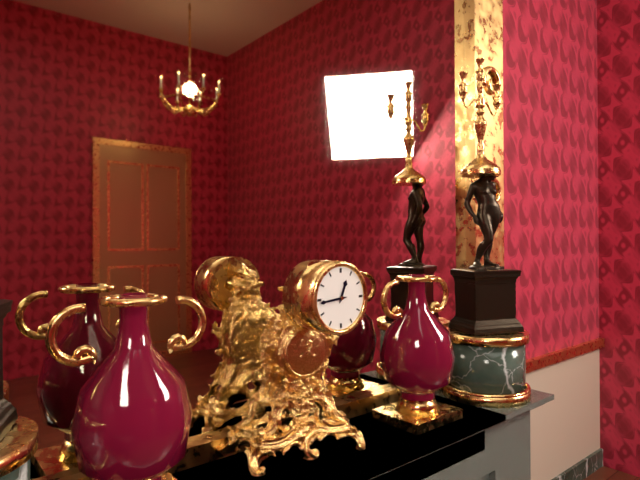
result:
12,44
